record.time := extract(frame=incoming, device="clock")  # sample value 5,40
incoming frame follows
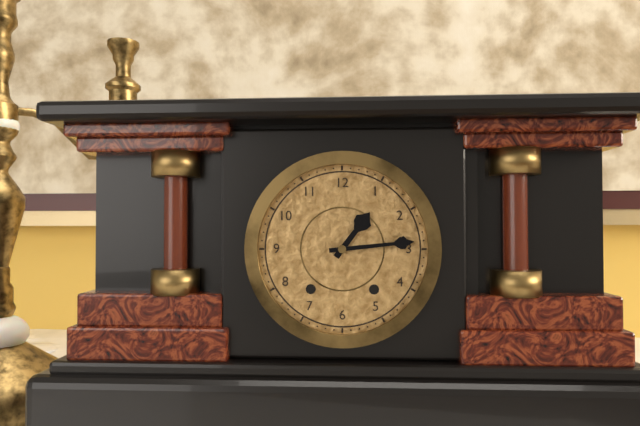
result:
1,14
